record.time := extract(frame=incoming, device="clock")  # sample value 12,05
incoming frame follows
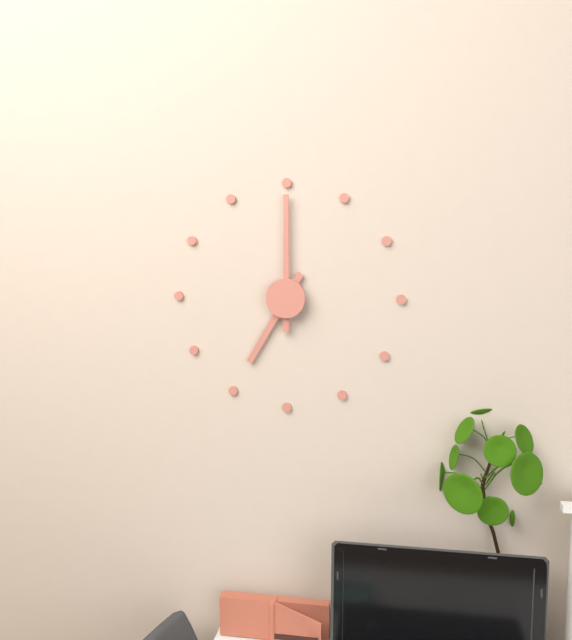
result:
7,00
